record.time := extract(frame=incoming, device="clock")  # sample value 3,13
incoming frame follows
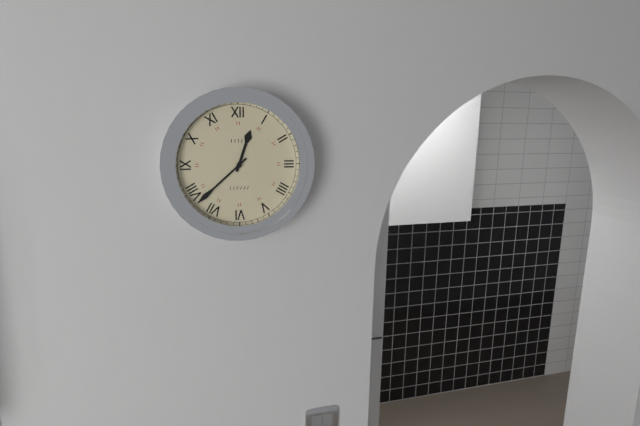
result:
12,38
